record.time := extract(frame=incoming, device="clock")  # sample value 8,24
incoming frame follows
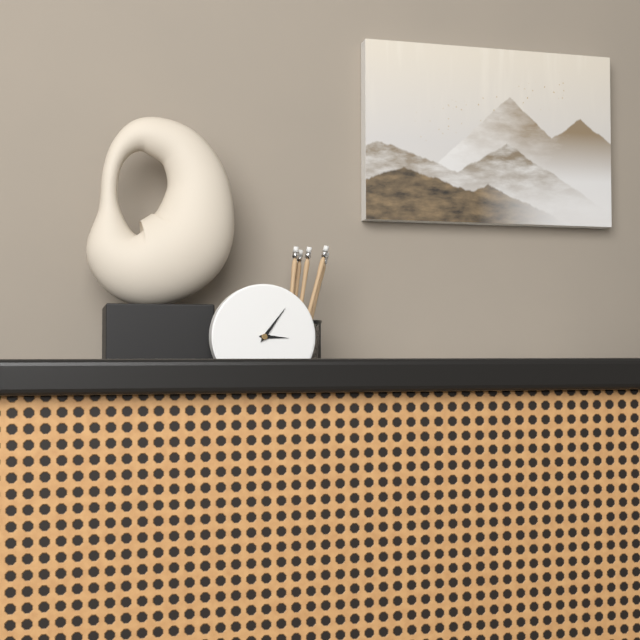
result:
3,06
